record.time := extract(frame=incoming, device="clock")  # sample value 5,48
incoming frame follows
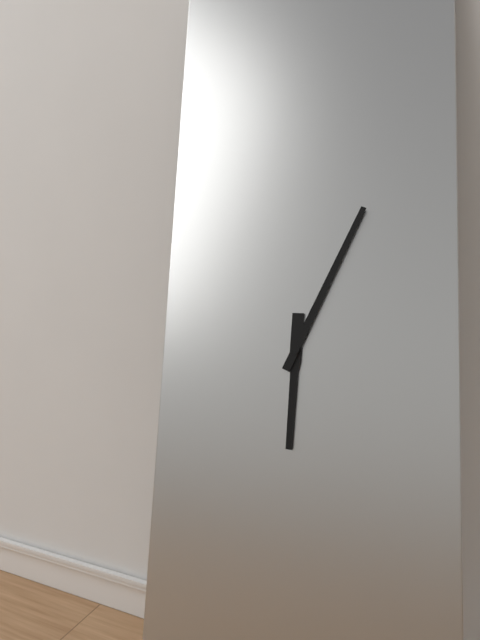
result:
6,04
